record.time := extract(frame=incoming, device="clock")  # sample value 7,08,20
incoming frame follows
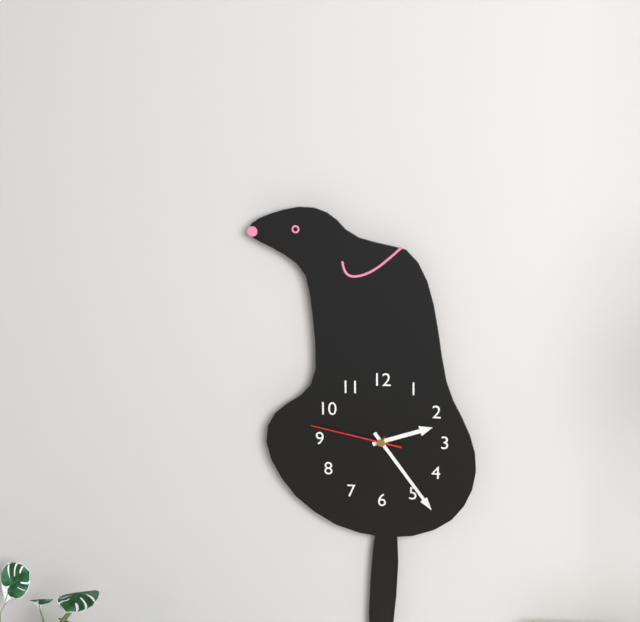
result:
2,24,47
